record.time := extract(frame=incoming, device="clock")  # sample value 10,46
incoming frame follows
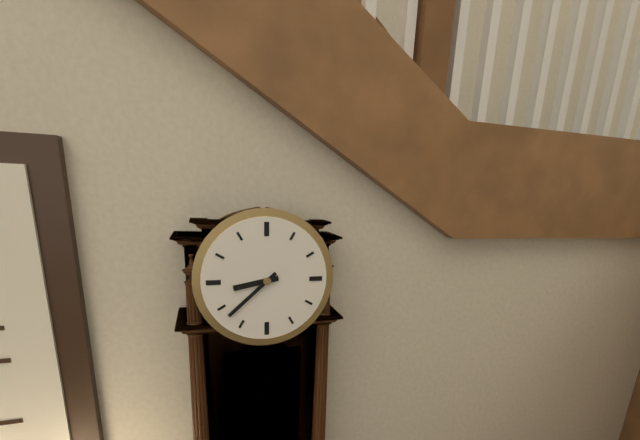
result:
8,38
